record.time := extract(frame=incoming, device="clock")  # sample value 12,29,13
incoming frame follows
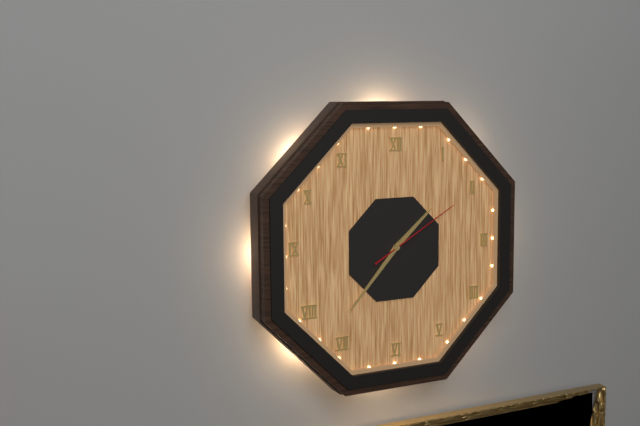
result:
1,37,10
